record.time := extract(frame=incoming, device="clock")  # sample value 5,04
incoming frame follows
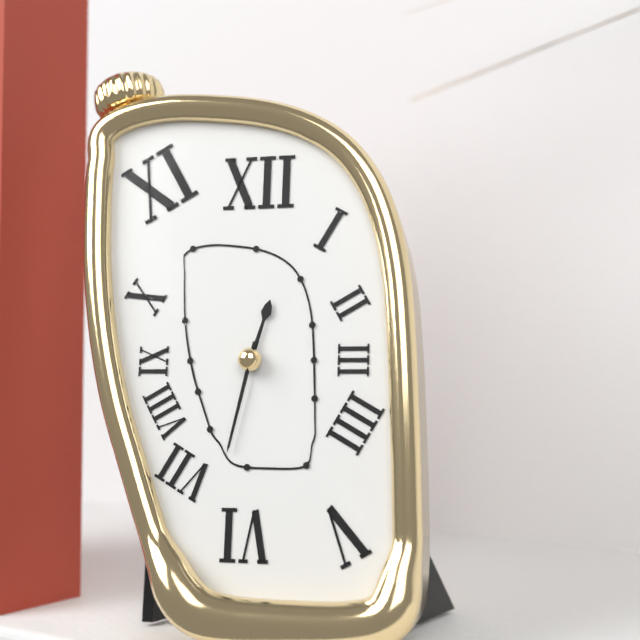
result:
12,32
